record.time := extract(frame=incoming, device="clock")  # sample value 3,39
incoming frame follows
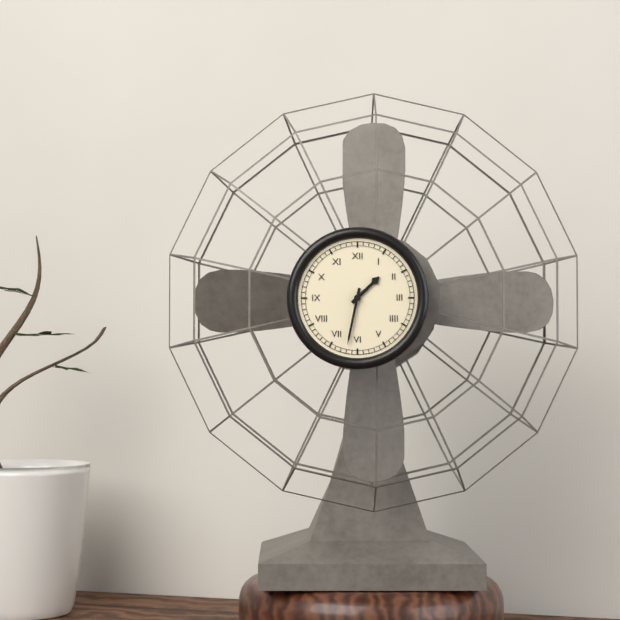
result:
1,32
